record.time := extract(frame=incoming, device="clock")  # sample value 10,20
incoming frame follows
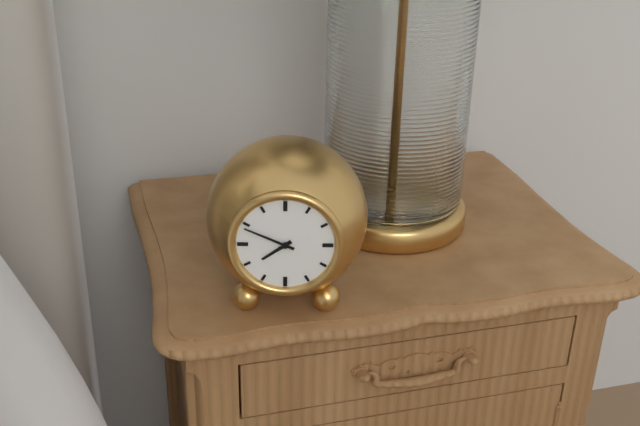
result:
7,49
